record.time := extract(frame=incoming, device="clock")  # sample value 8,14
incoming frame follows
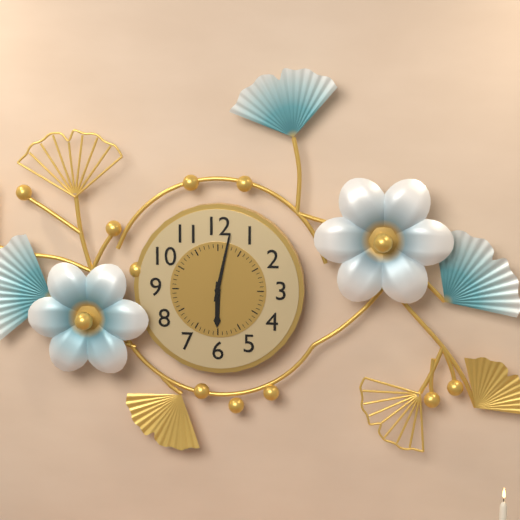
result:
6,02
